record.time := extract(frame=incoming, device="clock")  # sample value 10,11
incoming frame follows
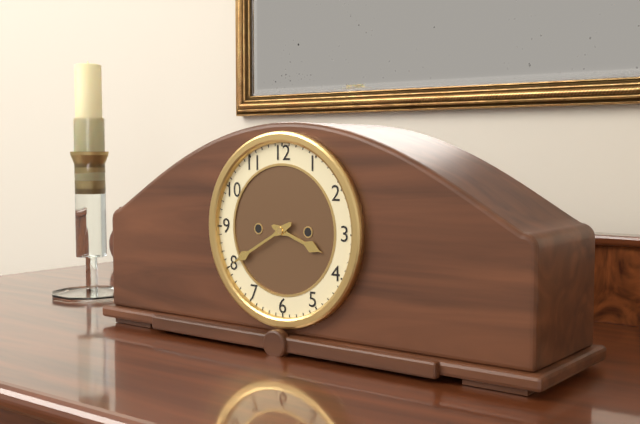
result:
3,40
